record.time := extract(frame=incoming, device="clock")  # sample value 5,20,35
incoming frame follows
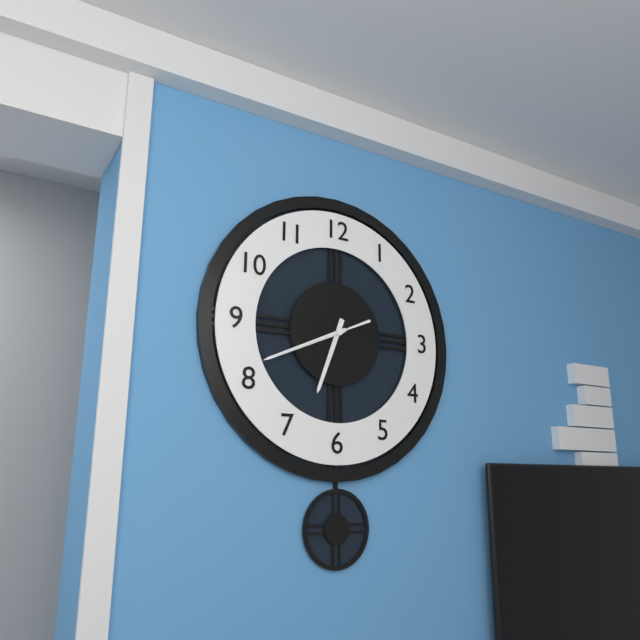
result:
6,41,41
